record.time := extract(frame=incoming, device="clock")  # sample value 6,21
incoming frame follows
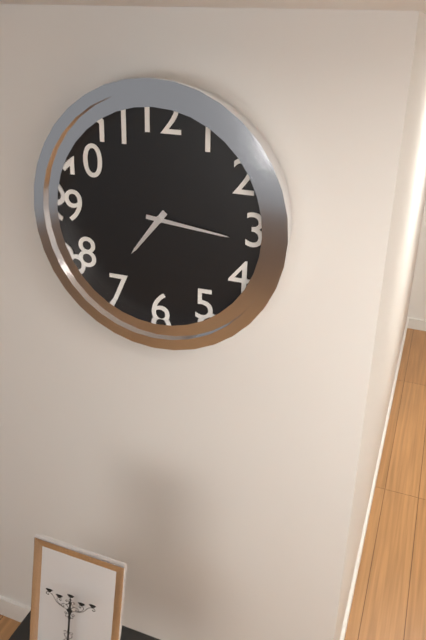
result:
7,16
